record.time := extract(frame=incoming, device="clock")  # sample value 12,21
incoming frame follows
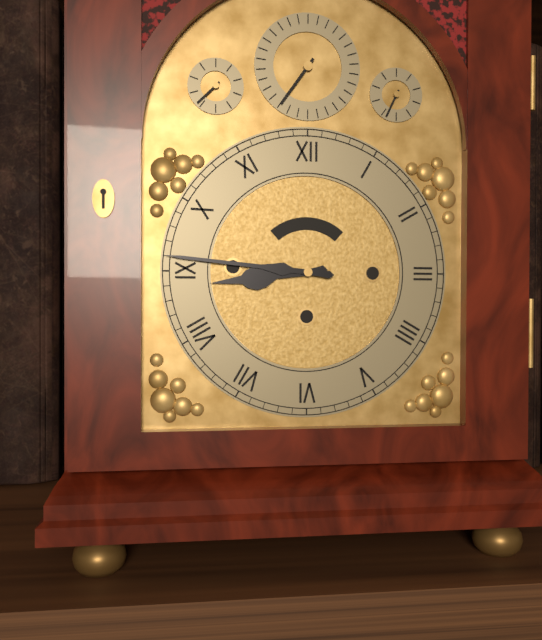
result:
8,46
